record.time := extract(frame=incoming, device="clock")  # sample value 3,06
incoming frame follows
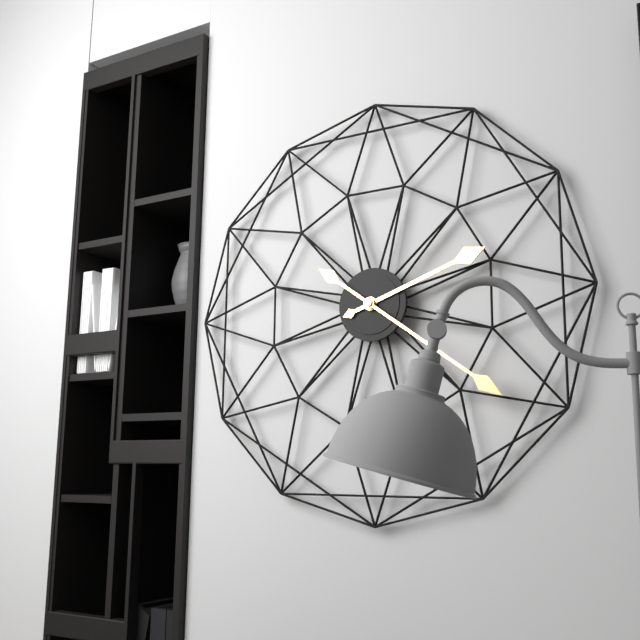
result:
2,21
